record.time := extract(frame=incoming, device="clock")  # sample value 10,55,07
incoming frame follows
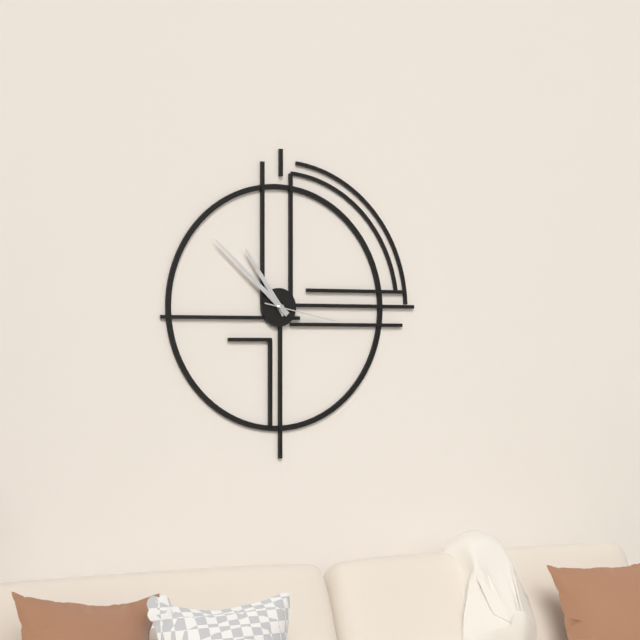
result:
10,52,17
